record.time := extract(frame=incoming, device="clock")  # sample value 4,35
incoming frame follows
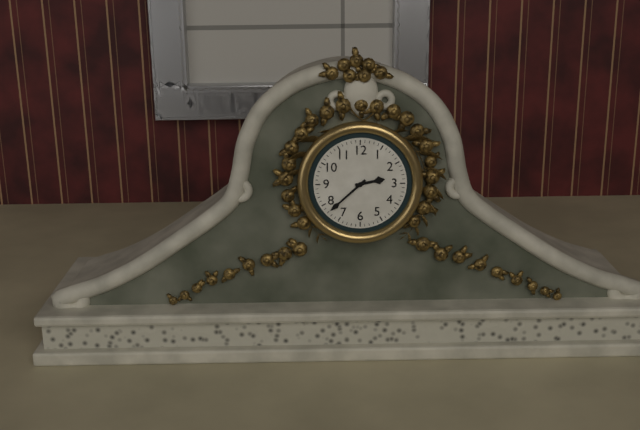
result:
2,38
